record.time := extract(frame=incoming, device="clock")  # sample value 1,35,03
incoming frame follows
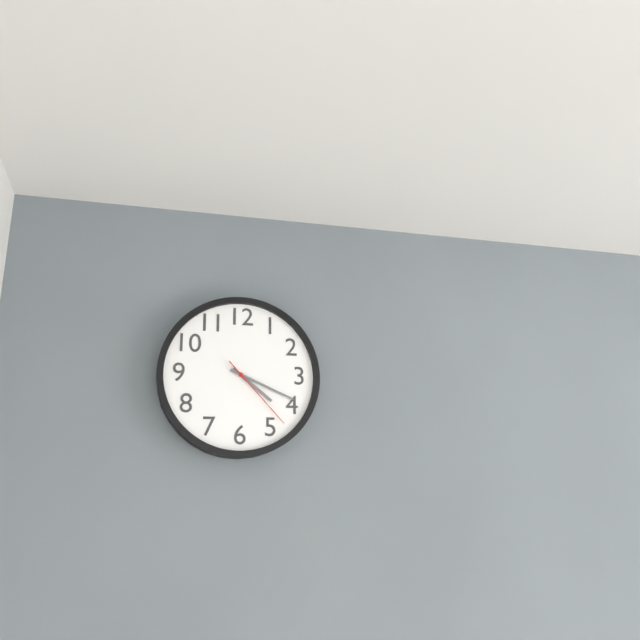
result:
4,19,23
